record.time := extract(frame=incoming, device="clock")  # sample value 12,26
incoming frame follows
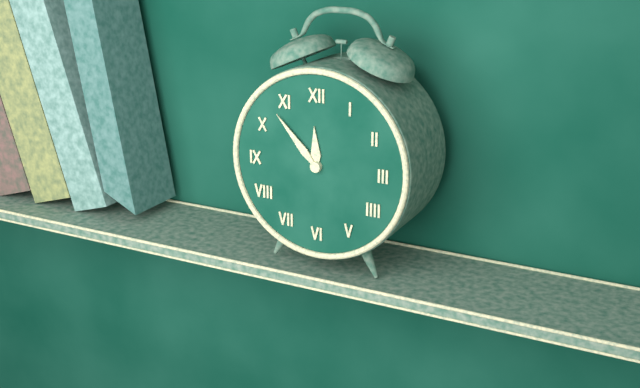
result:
11,53
